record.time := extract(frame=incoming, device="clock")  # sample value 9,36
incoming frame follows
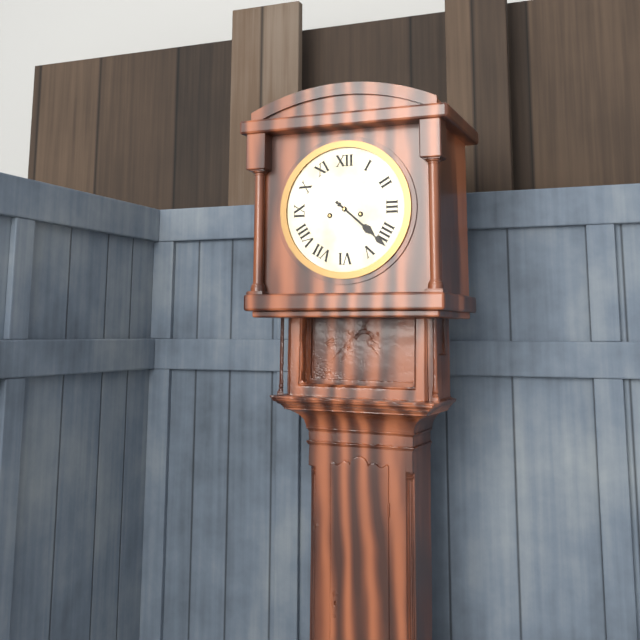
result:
4,22
